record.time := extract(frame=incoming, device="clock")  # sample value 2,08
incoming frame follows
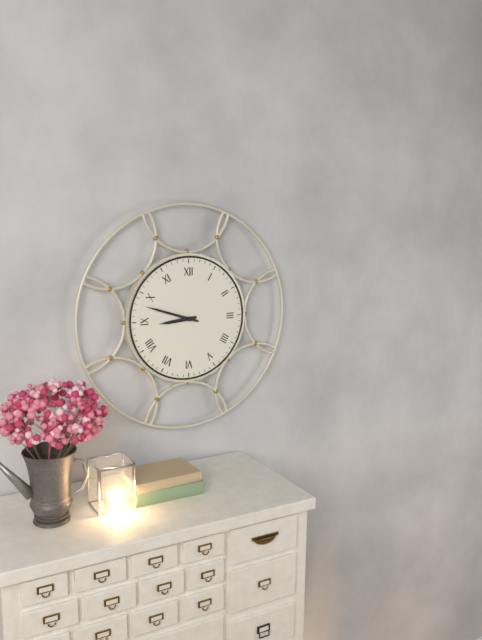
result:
8,48
